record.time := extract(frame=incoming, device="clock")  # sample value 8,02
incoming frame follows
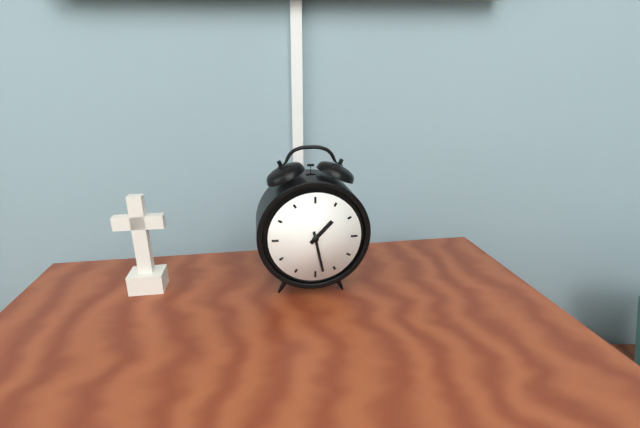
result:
1,28
